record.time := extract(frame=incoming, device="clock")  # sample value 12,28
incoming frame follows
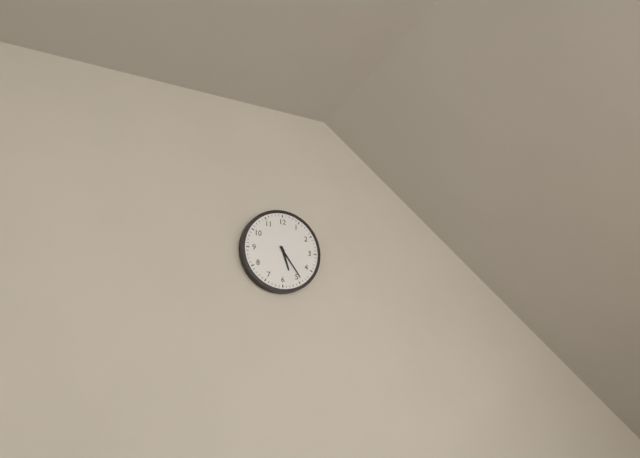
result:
5,24
